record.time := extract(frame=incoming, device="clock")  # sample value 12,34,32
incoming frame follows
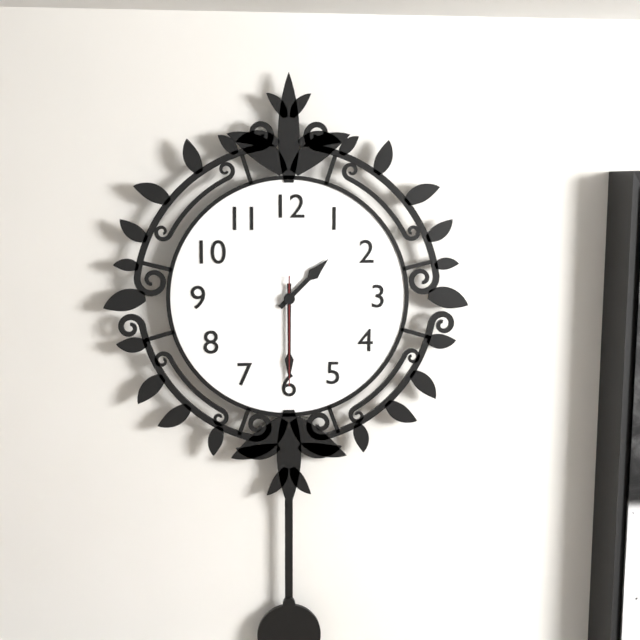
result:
1,30,30
